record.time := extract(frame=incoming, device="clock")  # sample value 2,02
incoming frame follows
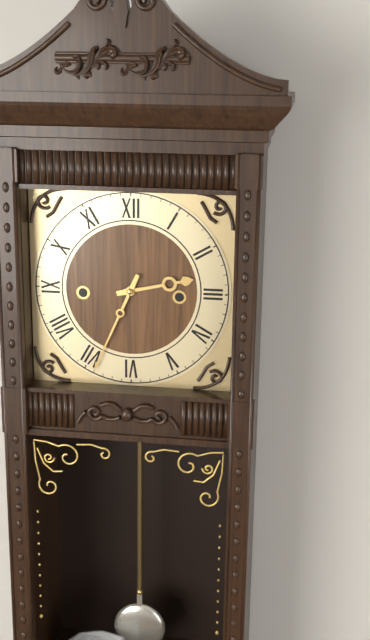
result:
2,34
